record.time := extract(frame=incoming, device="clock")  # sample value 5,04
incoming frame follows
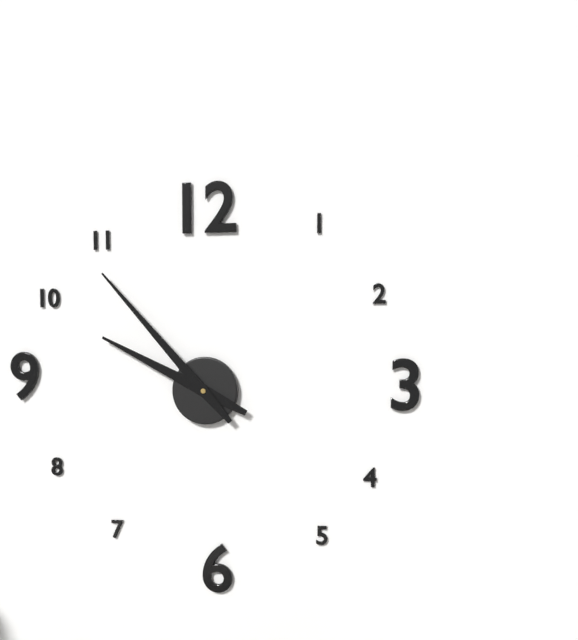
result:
9,53
